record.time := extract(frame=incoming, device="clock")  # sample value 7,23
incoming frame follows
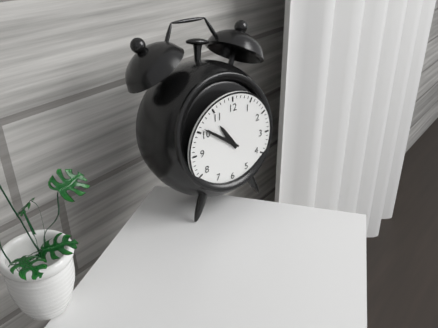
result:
10,51
